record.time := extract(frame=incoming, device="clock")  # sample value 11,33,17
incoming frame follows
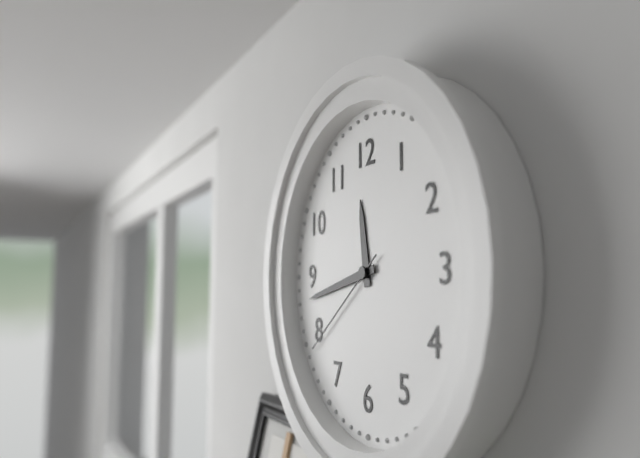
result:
11,43,39
